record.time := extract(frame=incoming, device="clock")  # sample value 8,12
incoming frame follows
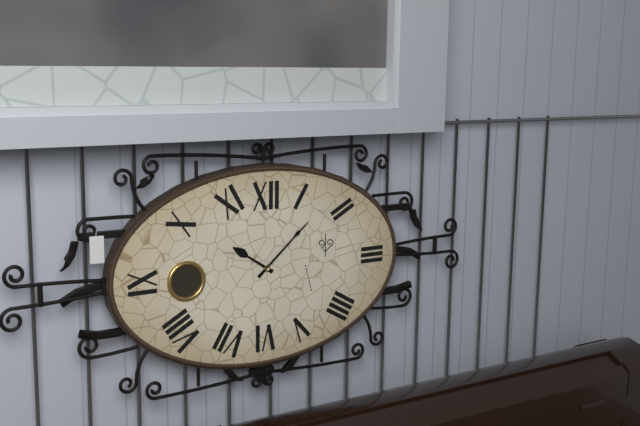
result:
10,08
